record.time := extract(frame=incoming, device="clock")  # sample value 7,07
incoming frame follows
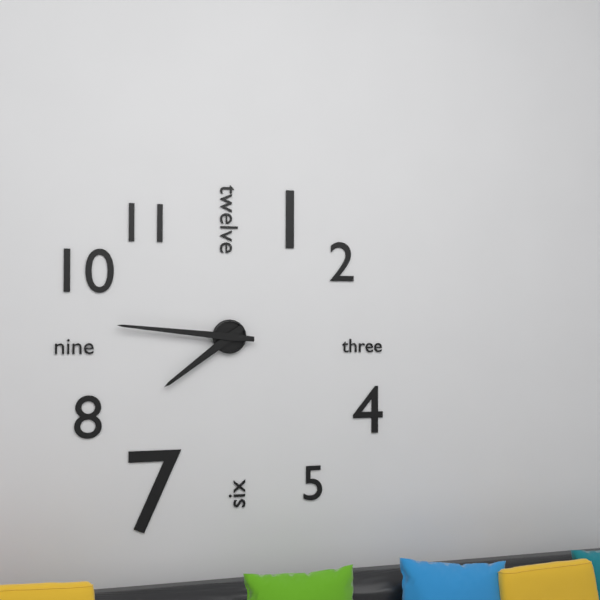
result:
7,46
